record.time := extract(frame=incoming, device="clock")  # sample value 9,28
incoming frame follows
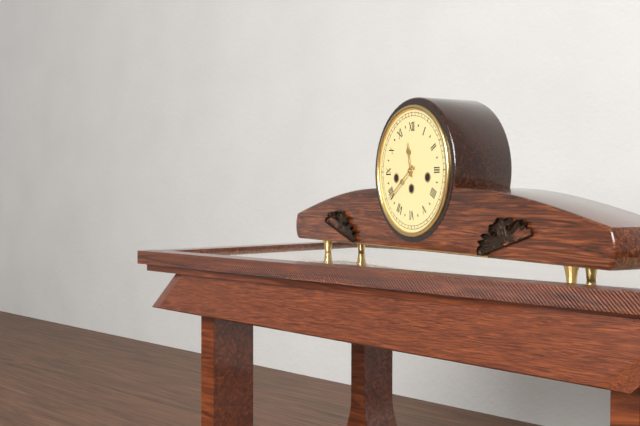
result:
11,39
